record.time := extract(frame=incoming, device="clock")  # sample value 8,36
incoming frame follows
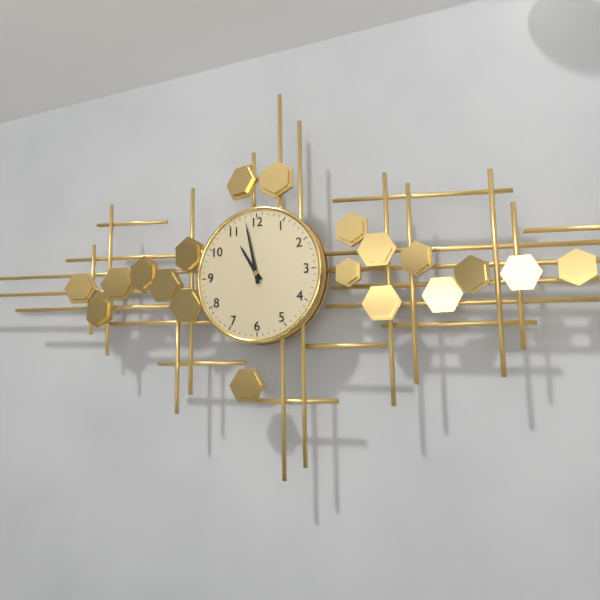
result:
10,58
